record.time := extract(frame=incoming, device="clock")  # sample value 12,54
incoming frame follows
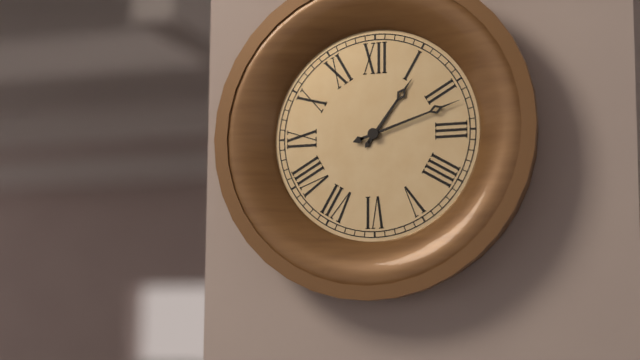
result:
1,12
